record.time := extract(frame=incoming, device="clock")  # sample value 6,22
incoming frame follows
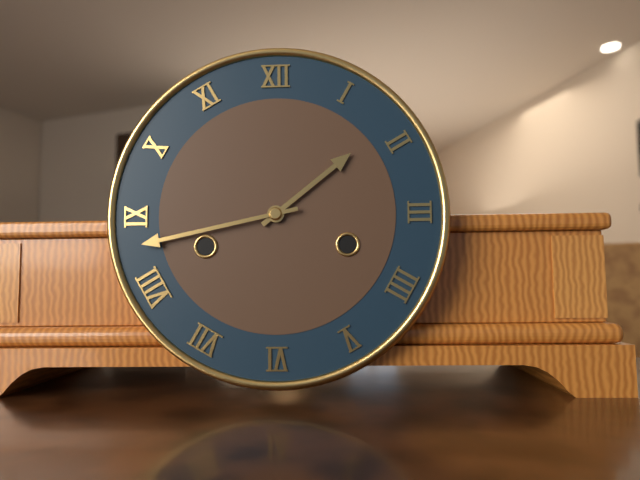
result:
1,43
